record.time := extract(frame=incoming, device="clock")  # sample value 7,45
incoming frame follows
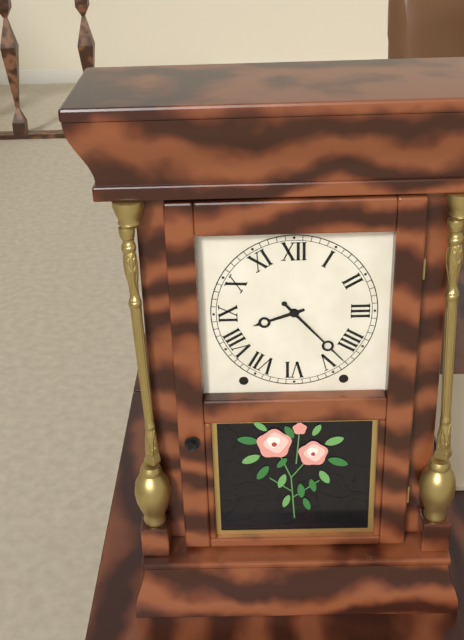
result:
8,23
